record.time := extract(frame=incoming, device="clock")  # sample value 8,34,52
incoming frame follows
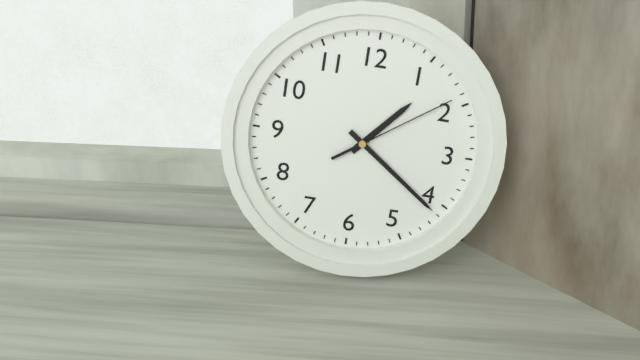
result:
1,21,09
